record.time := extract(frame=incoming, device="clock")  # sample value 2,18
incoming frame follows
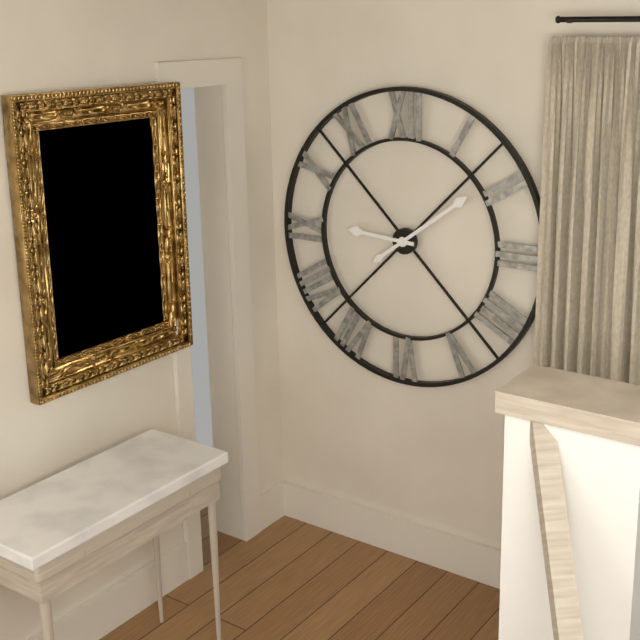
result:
9,09
